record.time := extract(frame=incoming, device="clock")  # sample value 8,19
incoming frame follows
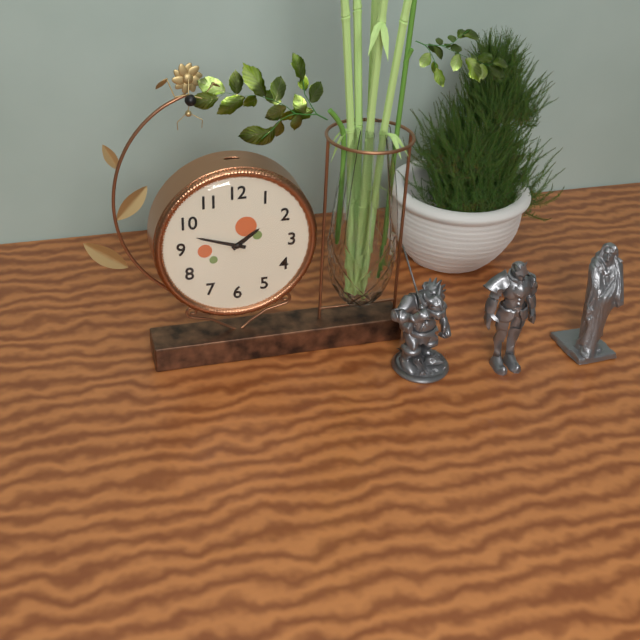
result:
1,48
